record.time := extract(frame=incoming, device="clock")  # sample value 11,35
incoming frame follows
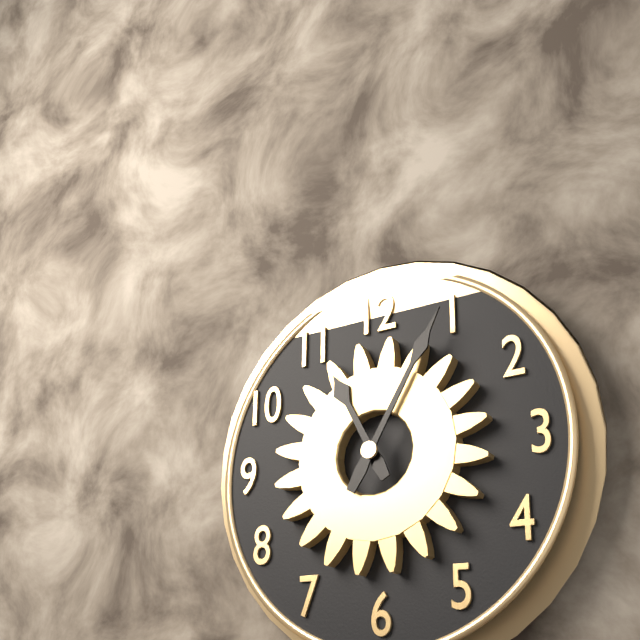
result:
11,05
